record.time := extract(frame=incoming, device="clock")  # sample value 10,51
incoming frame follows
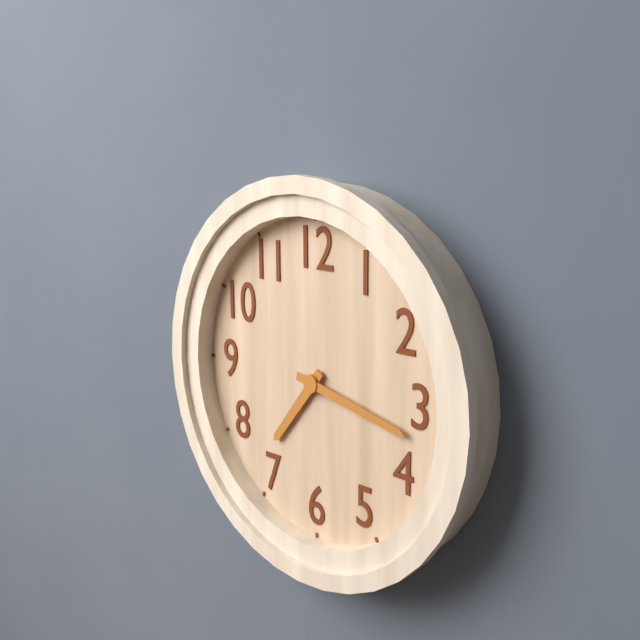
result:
7,17
